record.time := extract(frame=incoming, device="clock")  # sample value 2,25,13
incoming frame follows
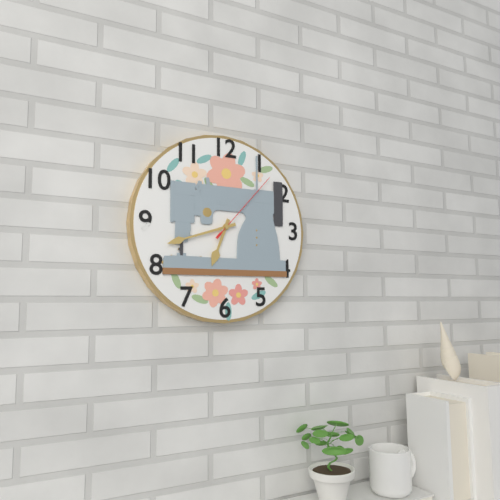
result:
6,42,07
